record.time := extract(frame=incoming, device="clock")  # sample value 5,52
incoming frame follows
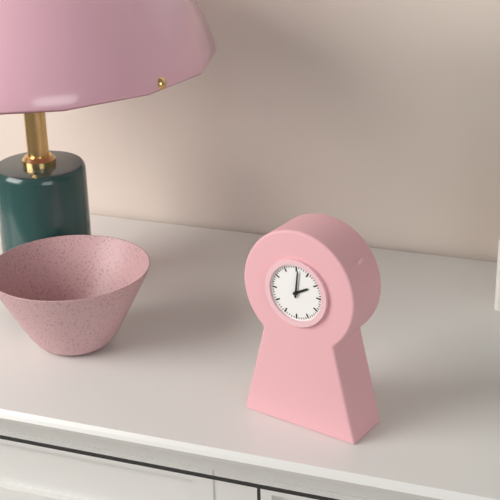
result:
2,01
